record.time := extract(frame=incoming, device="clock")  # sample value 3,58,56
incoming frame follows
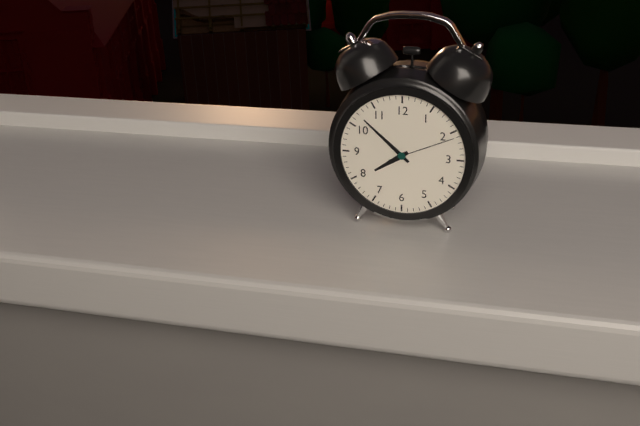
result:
7,52,11
